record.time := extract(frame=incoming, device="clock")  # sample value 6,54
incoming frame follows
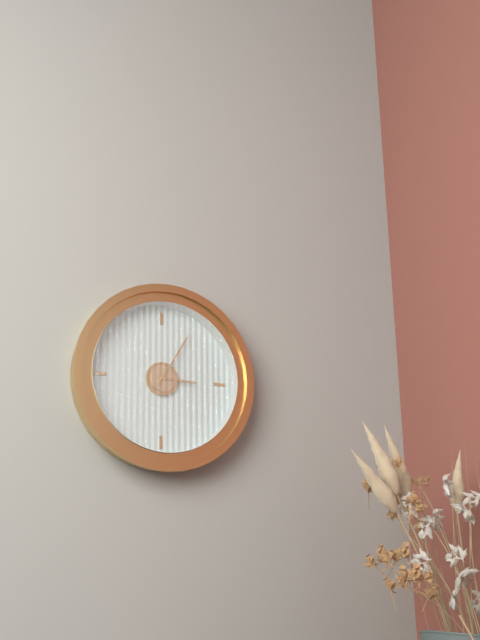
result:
3,05
